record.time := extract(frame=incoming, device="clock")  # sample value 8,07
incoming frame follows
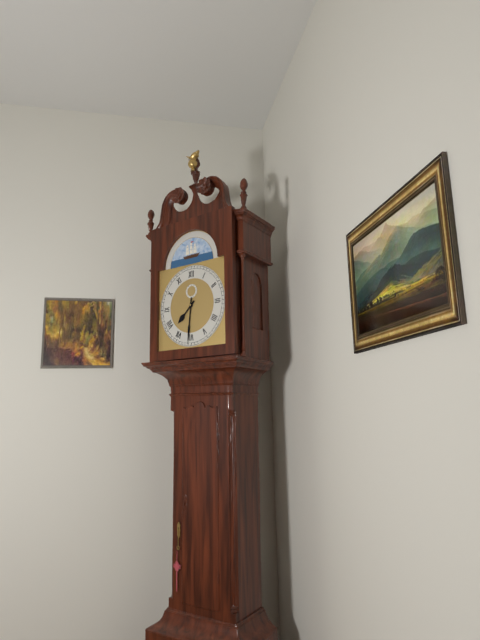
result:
7,31
